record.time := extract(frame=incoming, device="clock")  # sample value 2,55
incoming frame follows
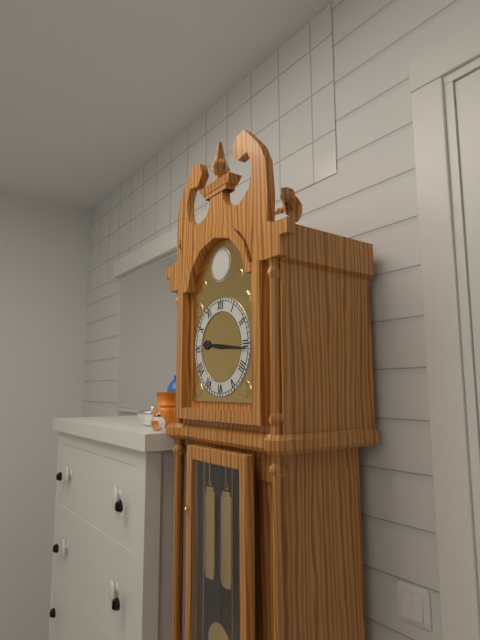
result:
9,16
